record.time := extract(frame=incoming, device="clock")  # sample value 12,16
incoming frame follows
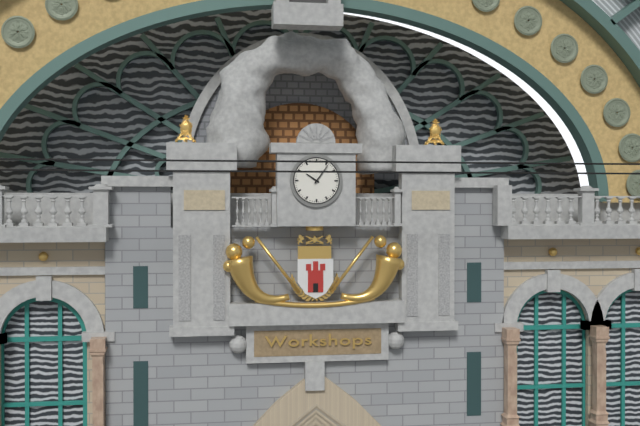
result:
10,06
